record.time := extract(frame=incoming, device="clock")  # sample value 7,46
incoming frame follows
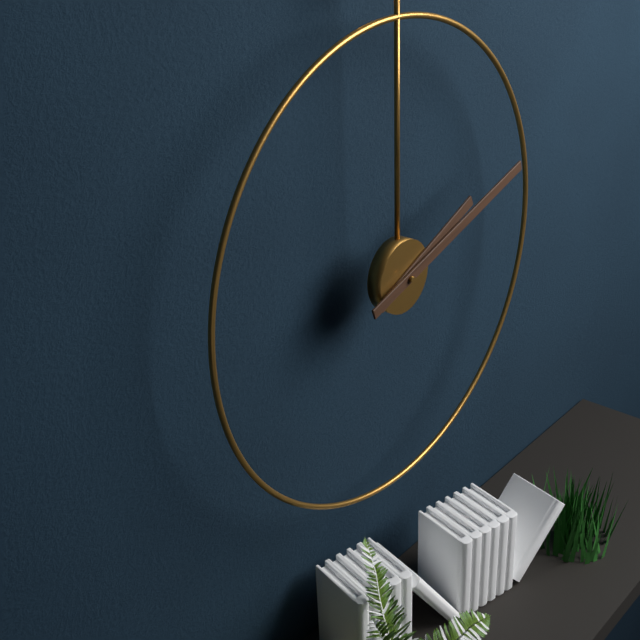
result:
2,12
